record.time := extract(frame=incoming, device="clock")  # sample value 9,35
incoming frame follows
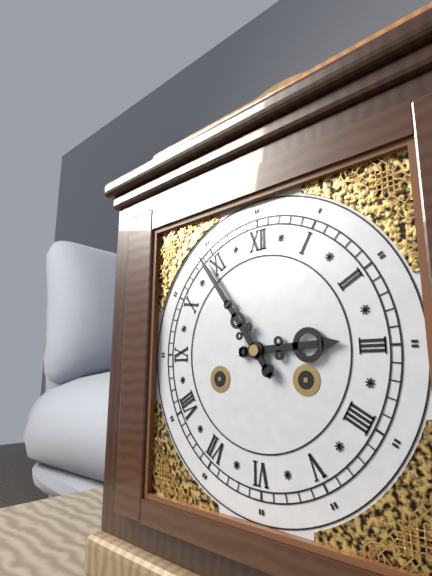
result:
2,54
